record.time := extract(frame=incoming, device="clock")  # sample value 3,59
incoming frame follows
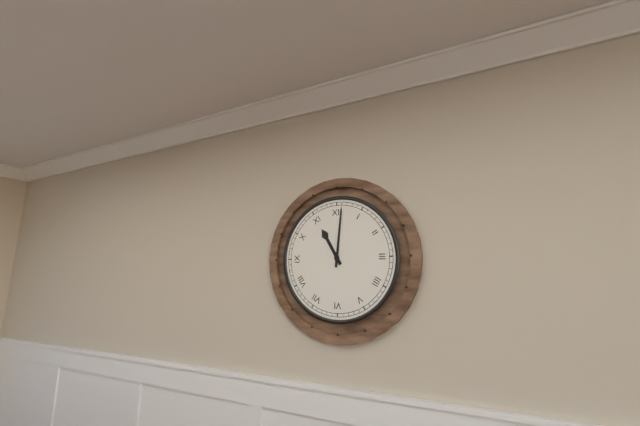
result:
11,01
